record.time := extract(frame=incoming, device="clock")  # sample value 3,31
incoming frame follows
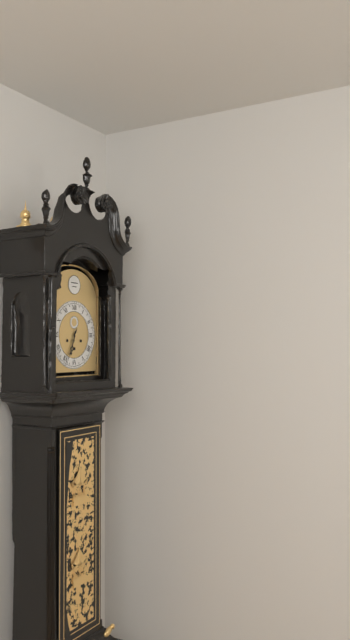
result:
6,34
